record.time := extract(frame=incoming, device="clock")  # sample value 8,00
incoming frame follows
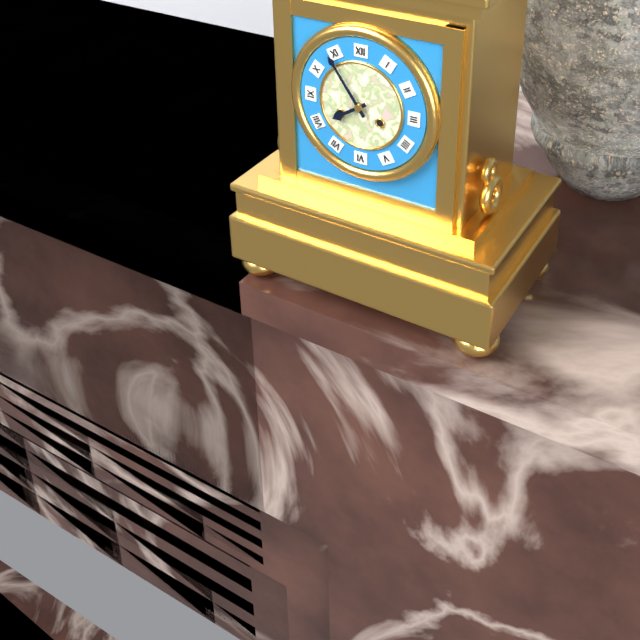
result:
7,54
